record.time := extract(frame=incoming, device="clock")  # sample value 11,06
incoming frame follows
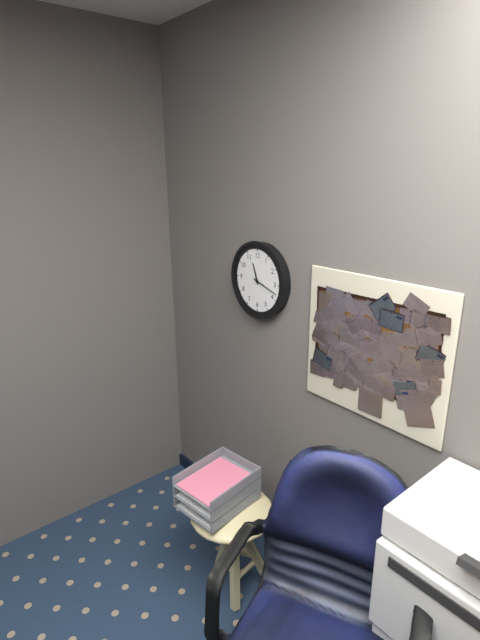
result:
11,18
